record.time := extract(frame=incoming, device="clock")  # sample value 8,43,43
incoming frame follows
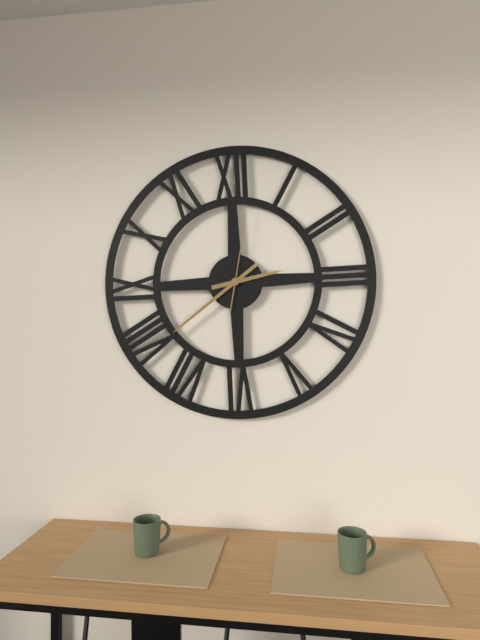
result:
2,39,02
